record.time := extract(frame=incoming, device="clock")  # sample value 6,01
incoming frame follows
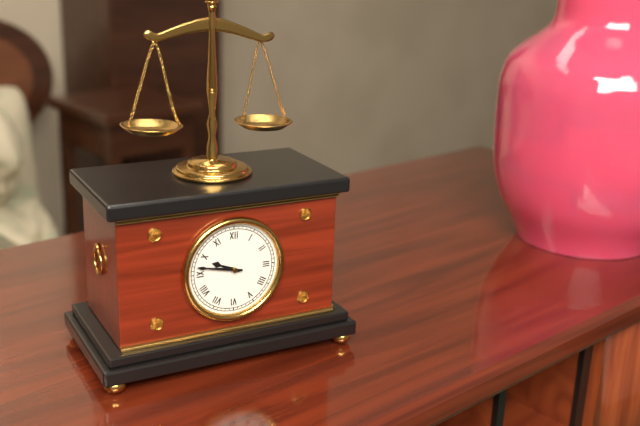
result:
9,47
